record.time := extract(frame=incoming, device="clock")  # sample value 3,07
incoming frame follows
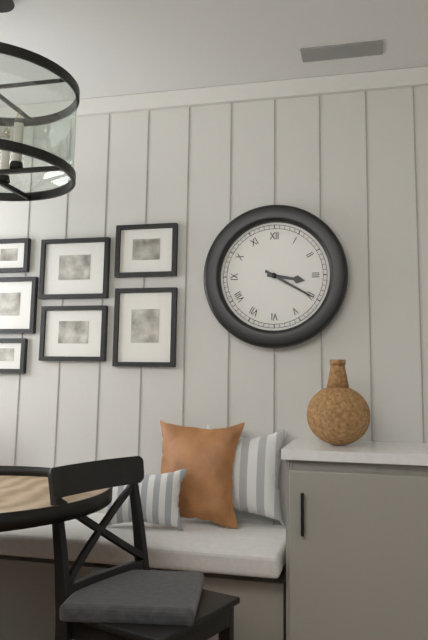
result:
3,20
